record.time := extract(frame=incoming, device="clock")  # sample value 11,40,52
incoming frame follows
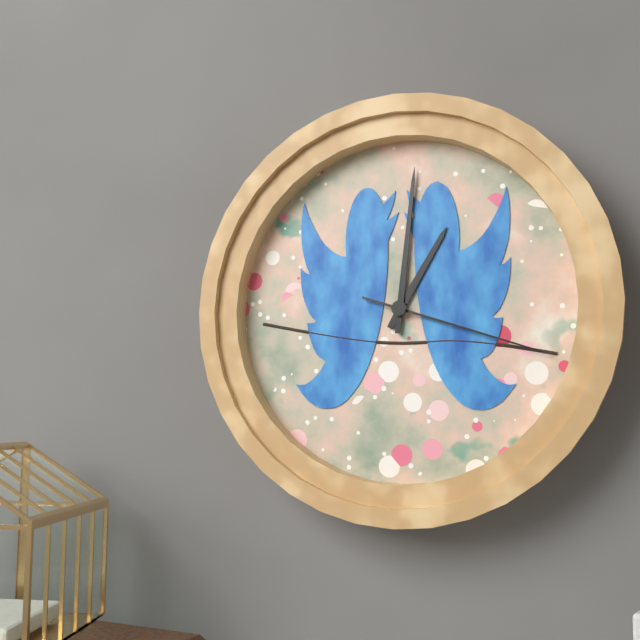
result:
1,01,18
